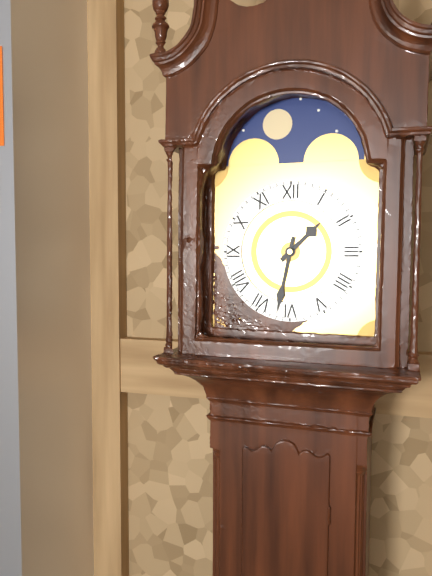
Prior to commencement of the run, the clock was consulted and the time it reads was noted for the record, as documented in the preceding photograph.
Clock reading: 1:32
